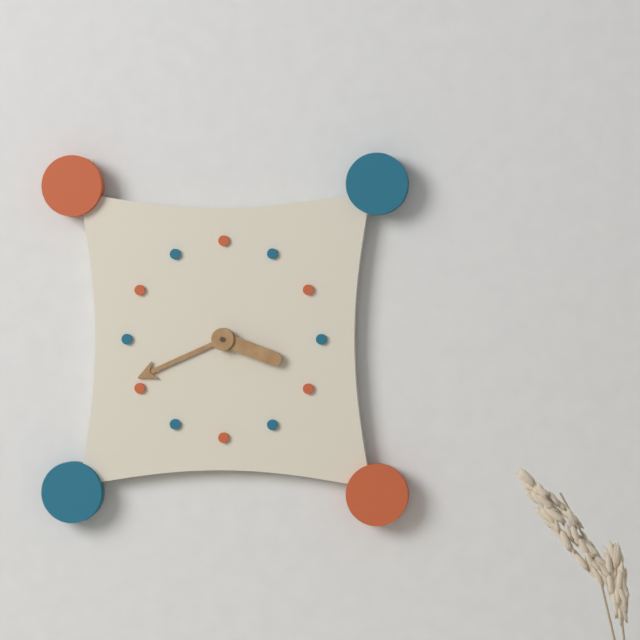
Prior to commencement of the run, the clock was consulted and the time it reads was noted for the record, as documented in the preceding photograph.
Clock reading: 3:41
